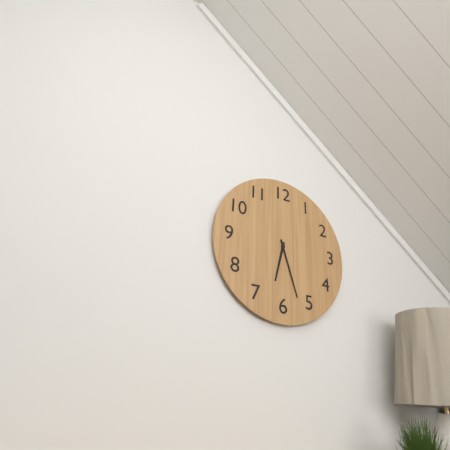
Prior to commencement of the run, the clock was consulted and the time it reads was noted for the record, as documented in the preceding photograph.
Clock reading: 6:27
